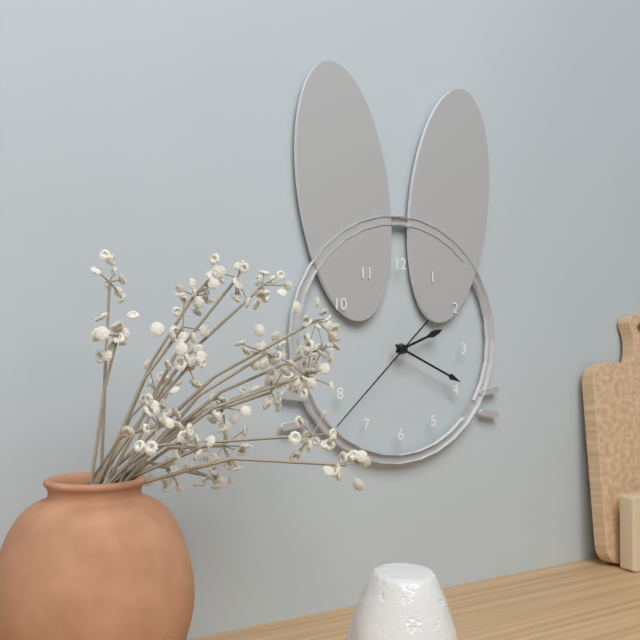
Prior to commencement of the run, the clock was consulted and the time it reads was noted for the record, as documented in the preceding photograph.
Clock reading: 2:19:38
